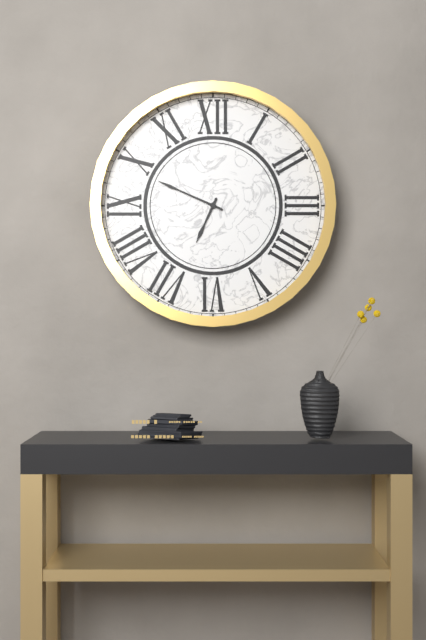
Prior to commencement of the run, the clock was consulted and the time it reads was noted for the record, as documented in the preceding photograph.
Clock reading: 6:49
